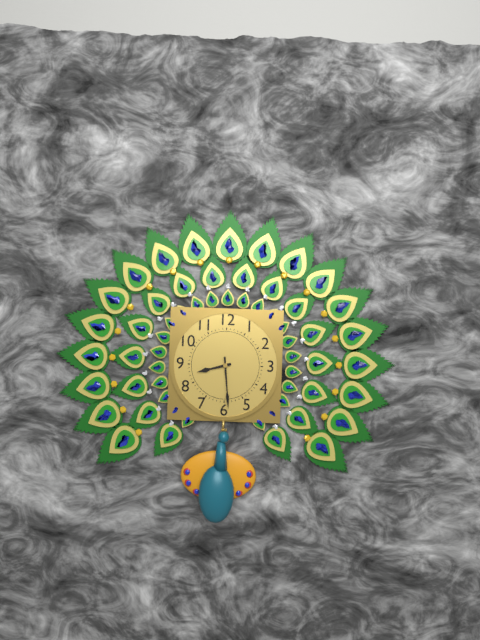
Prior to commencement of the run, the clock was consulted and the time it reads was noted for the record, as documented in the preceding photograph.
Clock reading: 8:29
